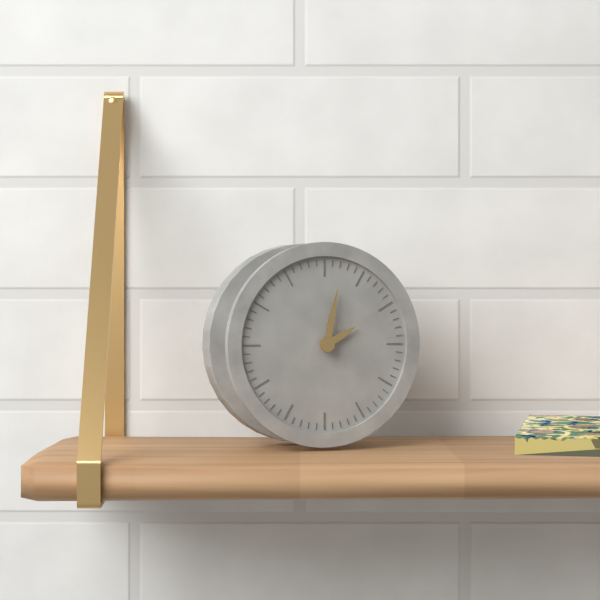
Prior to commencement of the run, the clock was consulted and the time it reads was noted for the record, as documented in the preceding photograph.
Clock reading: 2:02
